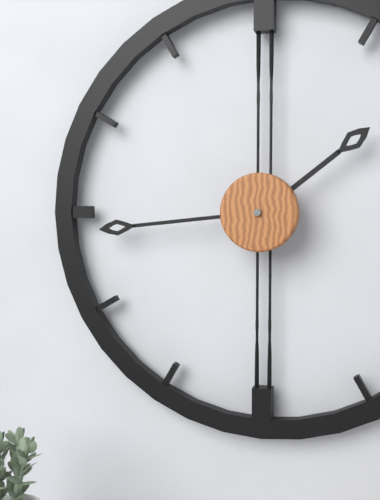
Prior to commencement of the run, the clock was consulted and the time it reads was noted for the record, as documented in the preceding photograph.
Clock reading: 1:44
